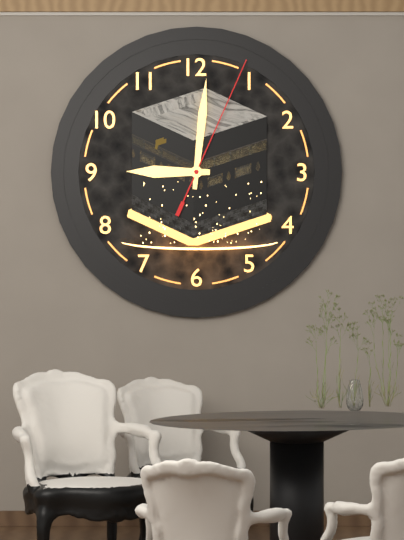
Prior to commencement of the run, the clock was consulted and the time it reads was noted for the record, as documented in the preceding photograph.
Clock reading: 9:01:04
